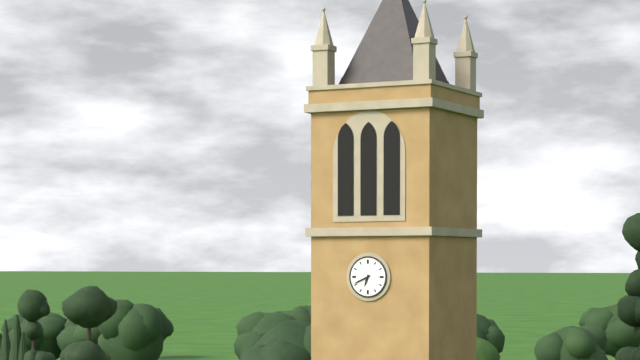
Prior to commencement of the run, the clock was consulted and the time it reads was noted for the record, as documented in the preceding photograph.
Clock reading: 6:41
